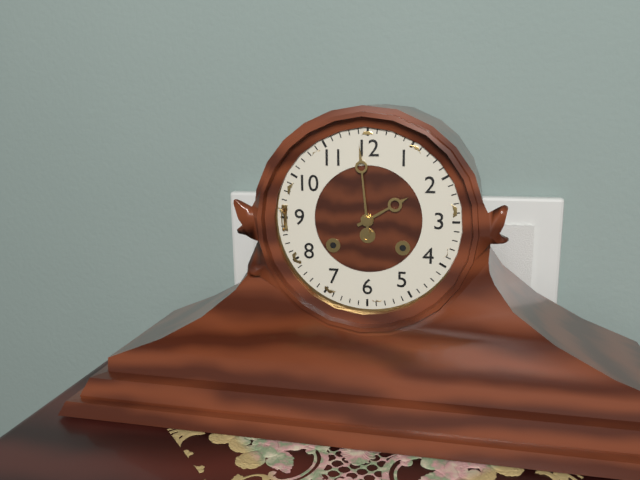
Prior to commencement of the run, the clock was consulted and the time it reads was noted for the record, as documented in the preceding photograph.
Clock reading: 1:59
